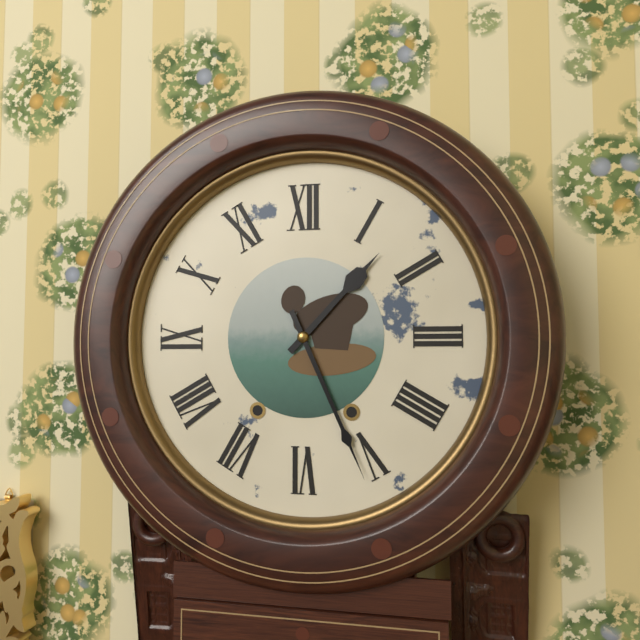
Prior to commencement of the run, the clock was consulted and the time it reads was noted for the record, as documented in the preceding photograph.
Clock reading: 1:26
